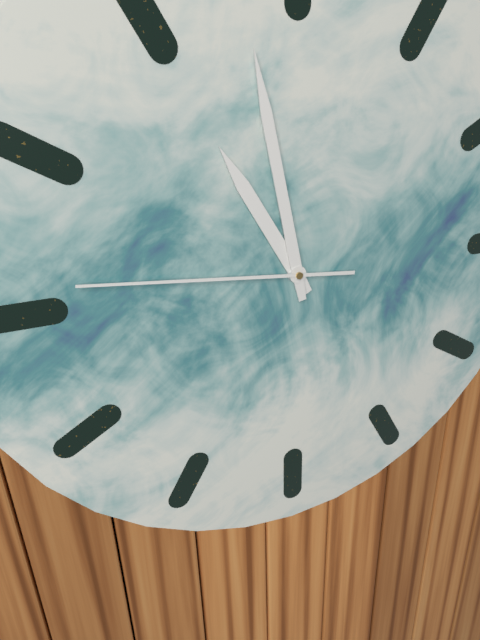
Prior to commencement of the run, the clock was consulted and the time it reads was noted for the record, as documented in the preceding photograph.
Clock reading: 10:58:46
